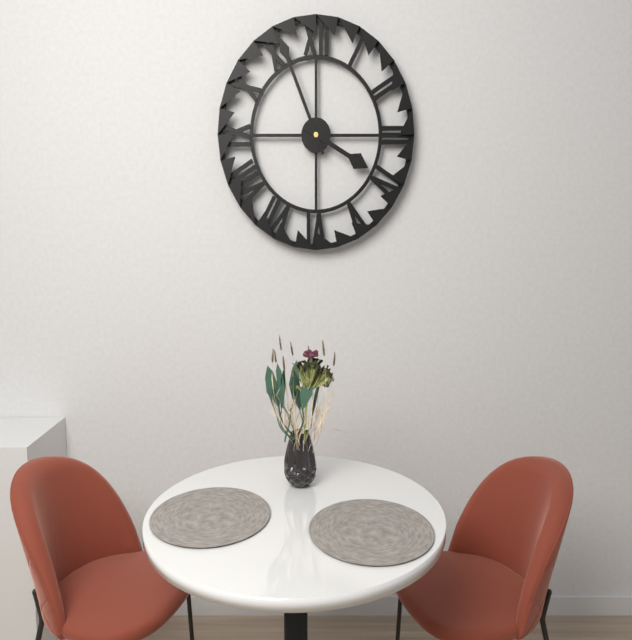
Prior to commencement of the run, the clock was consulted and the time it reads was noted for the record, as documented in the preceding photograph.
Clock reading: 3:56
